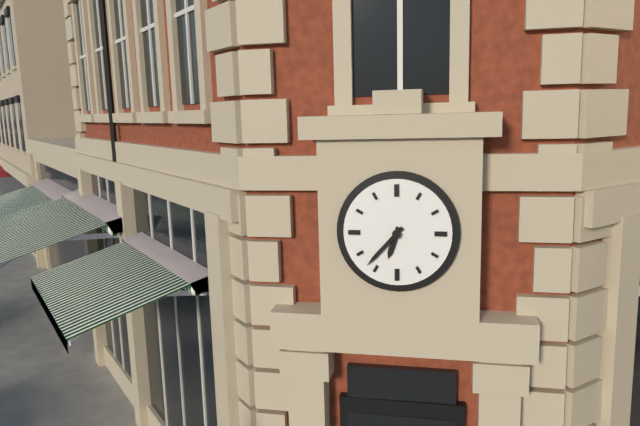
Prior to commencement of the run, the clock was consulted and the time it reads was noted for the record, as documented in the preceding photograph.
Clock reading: 6:37
